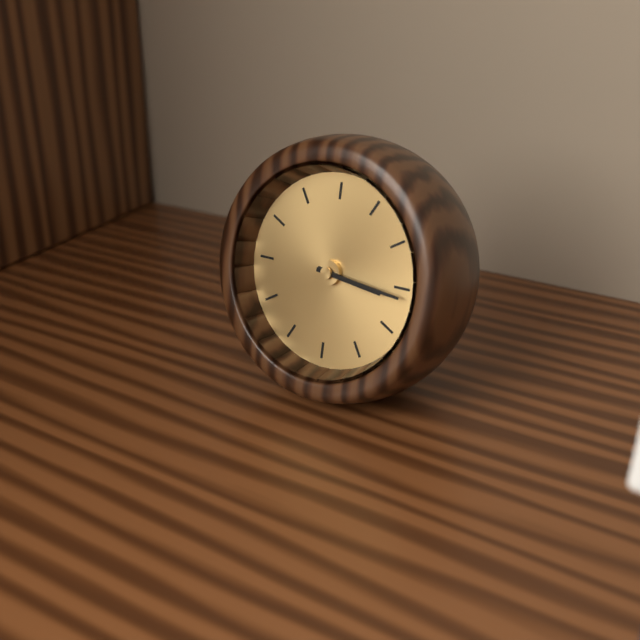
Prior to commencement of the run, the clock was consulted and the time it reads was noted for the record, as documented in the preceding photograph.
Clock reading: 3:16
